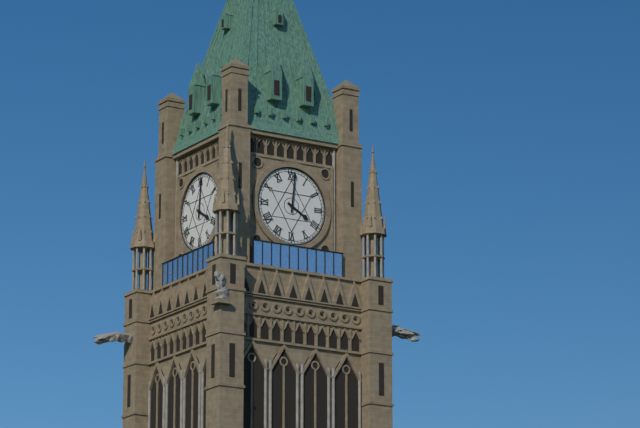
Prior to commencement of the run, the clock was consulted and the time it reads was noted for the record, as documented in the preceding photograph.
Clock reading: 4:01
